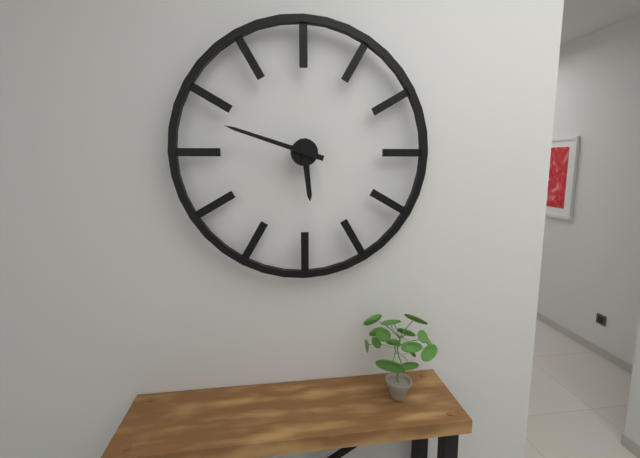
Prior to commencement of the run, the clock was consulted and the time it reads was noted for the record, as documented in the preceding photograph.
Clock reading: 5:48
